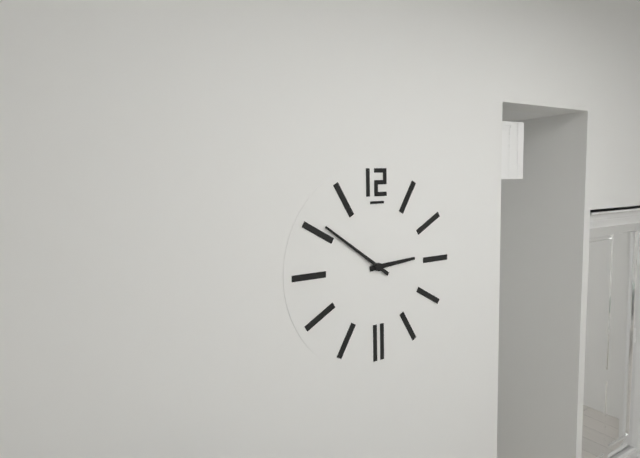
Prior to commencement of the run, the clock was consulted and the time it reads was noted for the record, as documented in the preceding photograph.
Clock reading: 2:51
